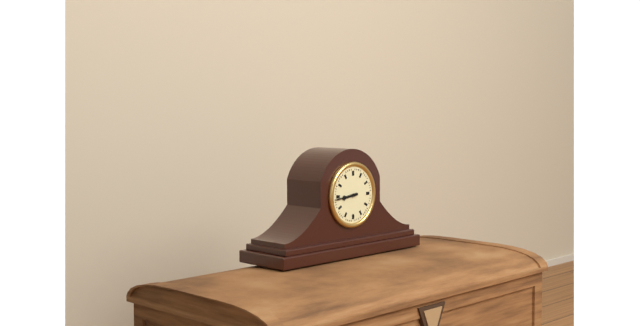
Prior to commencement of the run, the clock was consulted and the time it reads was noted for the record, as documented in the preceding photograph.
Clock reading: 8:44
